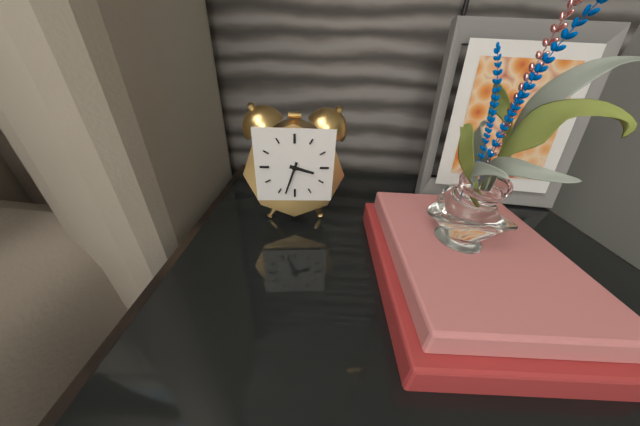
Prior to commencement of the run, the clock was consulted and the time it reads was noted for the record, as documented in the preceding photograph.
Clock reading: 3:33
